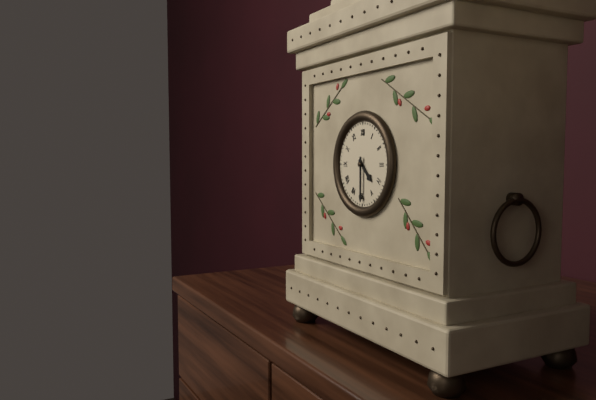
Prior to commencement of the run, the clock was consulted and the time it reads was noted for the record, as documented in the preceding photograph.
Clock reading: 4:30
